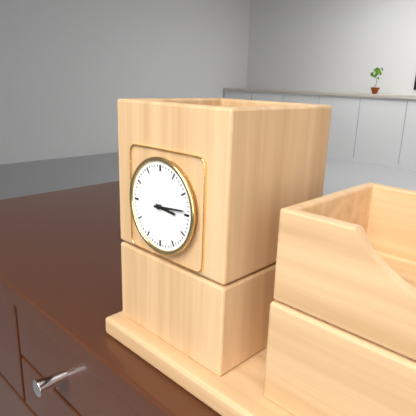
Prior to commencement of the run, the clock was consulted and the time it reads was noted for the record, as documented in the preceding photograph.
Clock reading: 3:14
